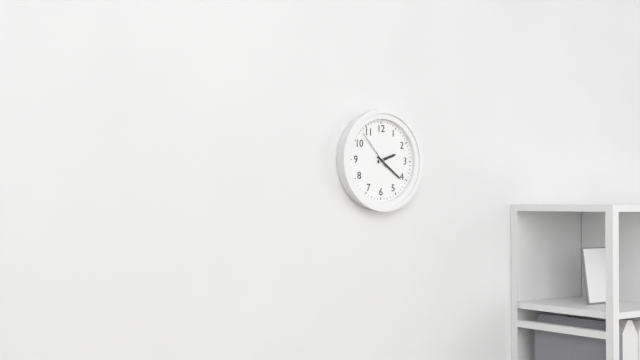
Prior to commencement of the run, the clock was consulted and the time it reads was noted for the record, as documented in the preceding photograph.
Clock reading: 2:21
